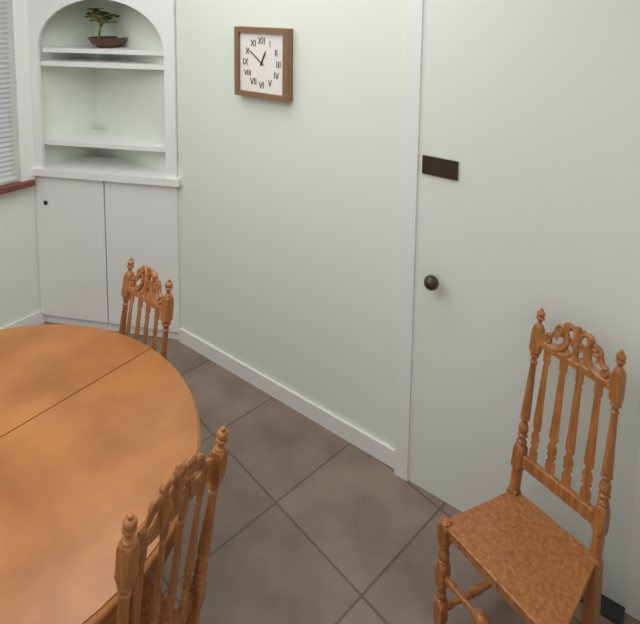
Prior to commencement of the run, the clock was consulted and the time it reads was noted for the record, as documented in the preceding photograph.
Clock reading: 12:51
